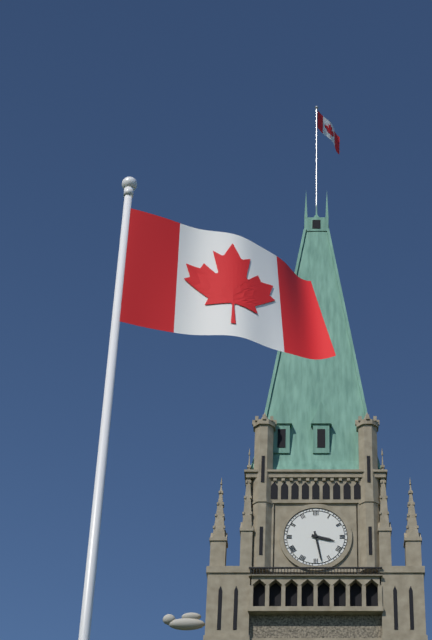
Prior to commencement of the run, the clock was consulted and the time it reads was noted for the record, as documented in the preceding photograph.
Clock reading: 3:28
